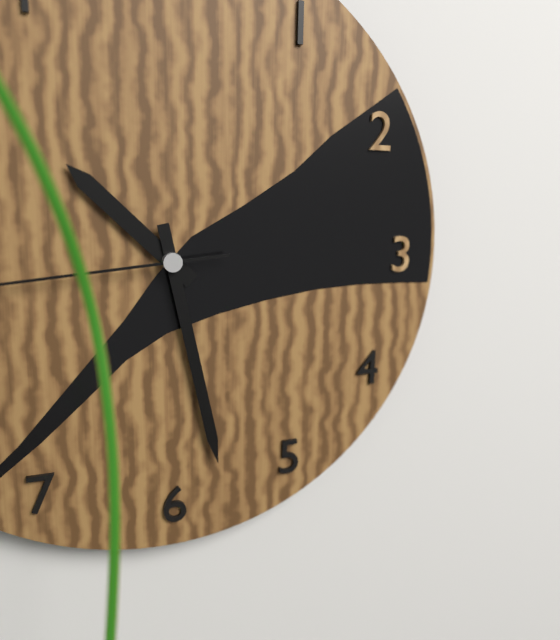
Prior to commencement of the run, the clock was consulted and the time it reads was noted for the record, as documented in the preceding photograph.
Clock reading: 10:28
